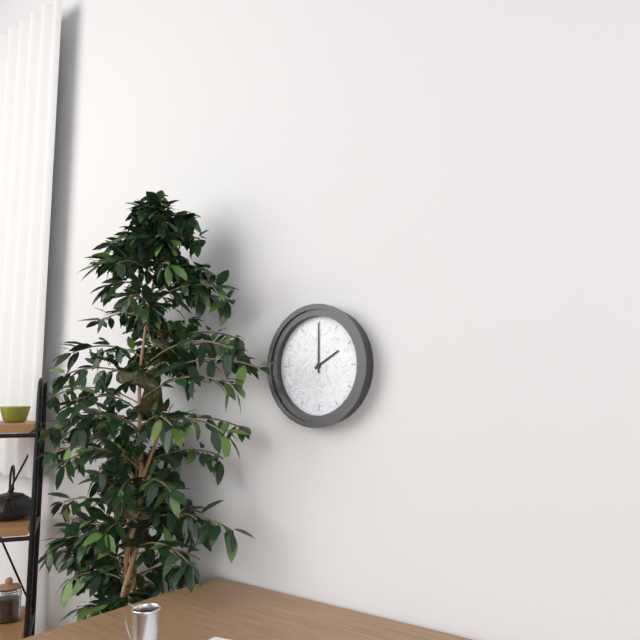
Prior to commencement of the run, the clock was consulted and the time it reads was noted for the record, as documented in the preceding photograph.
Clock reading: 2:00
